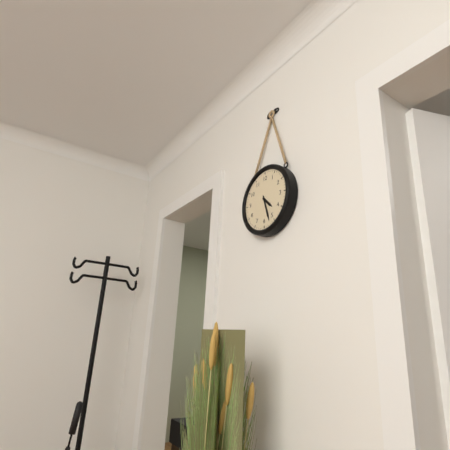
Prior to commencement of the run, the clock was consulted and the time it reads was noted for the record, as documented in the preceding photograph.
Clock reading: 4:27
